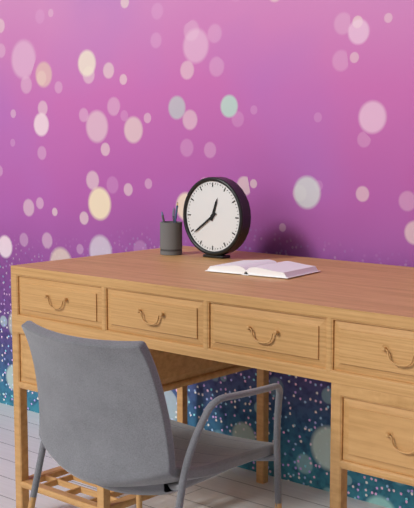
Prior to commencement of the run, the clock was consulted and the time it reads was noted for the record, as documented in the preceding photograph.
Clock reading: 12:39
